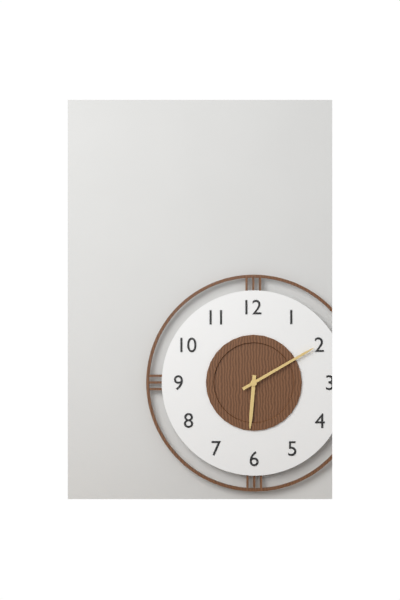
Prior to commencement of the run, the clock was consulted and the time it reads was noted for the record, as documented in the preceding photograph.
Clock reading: 6:10
